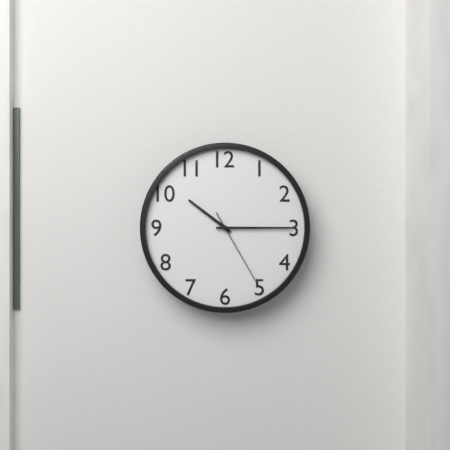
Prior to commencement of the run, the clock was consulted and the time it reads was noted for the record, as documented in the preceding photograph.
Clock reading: 10:15:25
